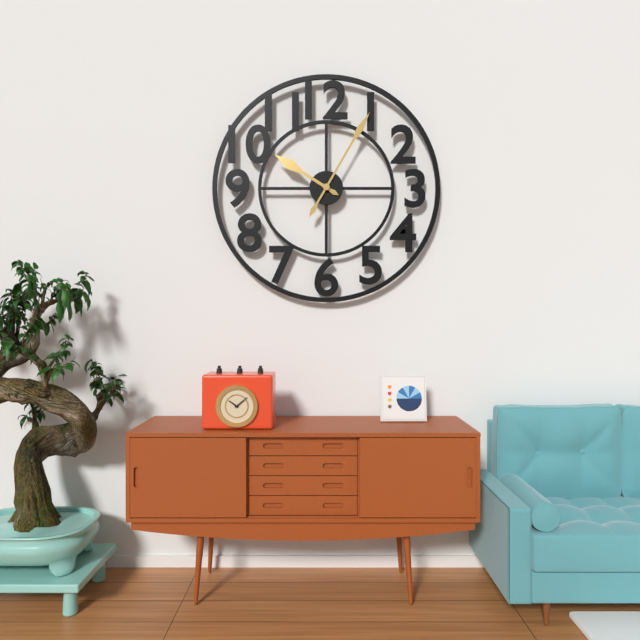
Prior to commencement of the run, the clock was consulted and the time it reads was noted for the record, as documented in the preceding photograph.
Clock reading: 10:05
